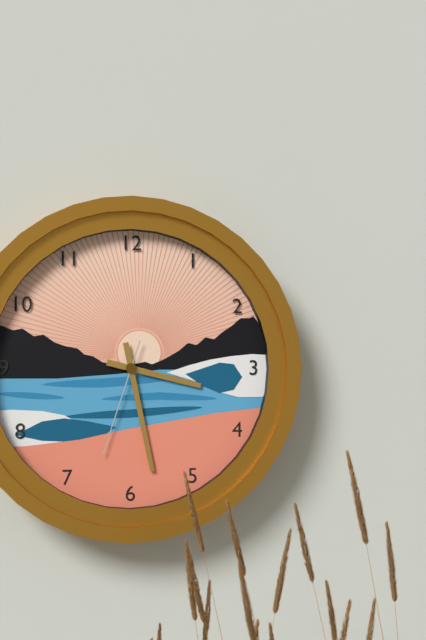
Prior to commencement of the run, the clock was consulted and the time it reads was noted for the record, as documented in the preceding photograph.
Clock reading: 3:28:33
